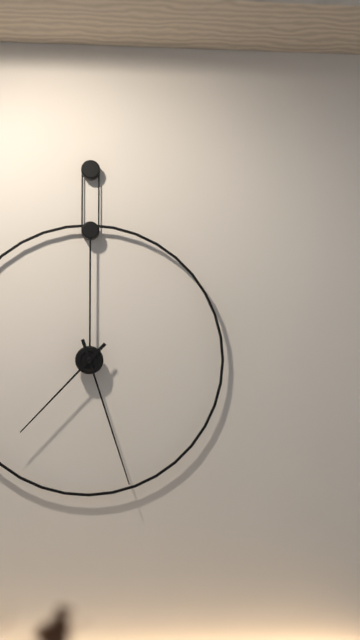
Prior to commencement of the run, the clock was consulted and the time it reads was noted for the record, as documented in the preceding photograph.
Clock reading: 7:27
